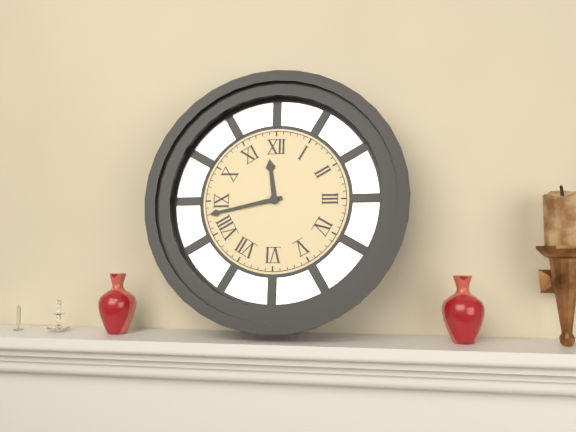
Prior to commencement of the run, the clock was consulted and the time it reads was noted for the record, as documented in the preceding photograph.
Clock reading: 11:43
